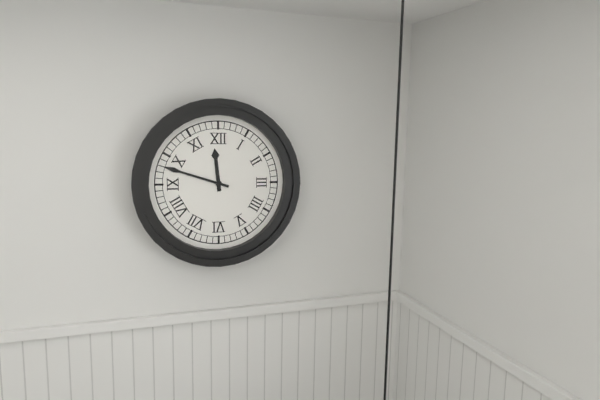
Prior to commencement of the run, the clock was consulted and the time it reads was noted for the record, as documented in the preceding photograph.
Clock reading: 11:48
